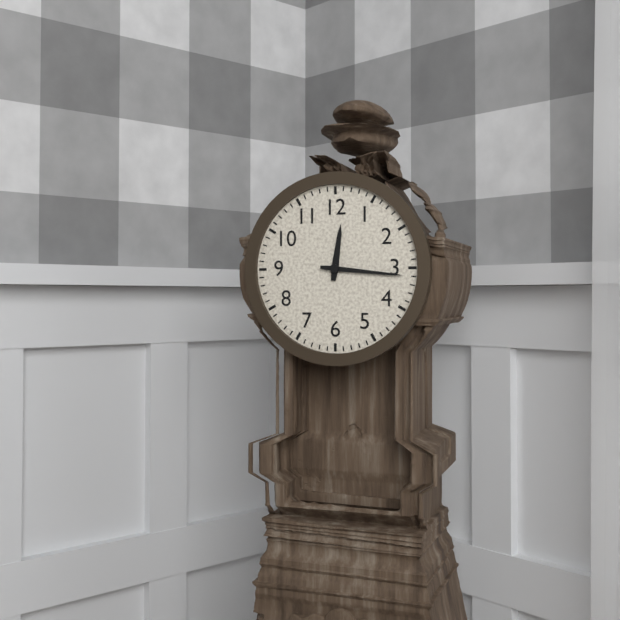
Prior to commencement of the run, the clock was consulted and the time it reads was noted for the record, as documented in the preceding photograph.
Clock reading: 12:16
